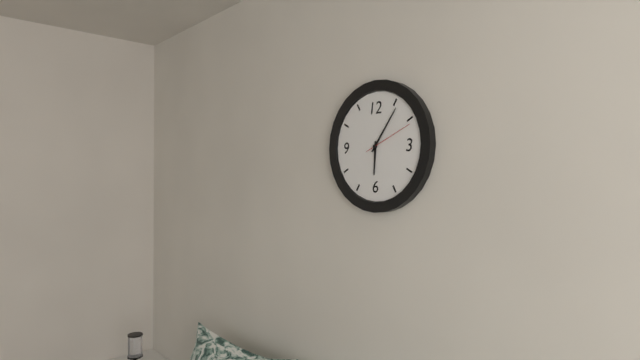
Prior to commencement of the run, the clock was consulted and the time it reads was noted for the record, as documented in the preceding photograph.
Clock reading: 6:06:11
